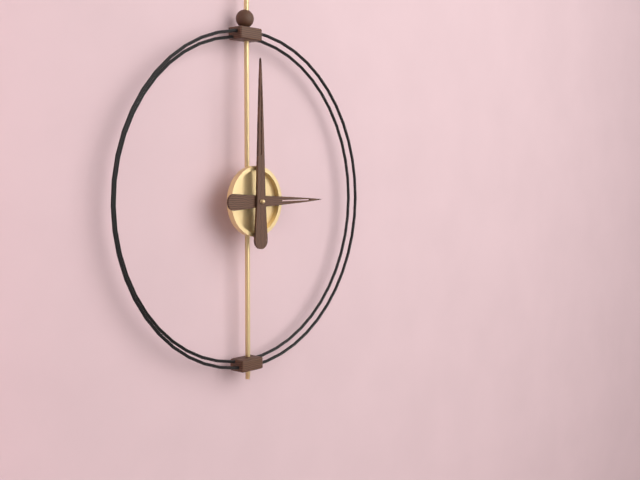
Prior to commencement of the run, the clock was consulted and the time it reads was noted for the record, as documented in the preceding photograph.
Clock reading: 3:00
